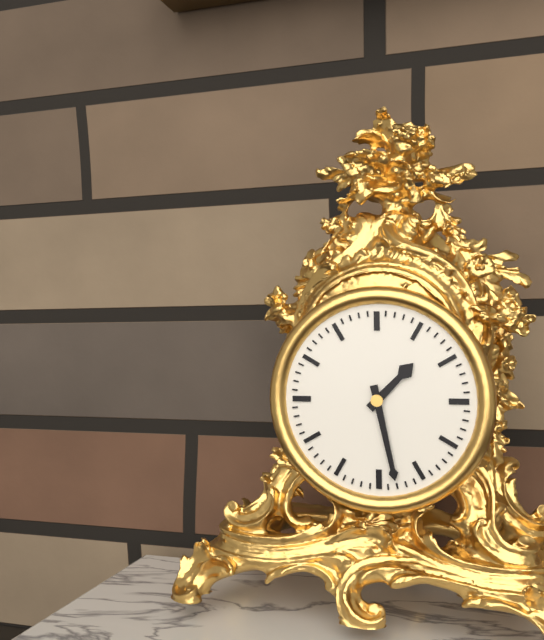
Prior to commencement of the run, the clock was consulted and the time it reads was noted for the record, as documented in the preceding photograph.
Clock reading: 1:28
